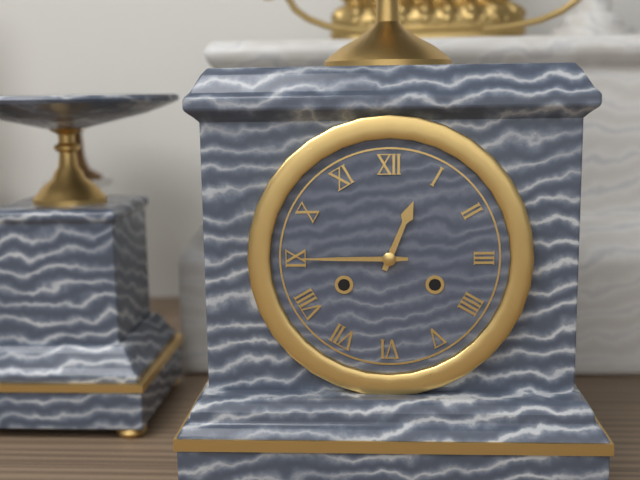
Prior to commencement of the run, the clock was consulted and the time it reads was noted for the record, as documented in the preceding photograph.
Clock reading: 12:45
